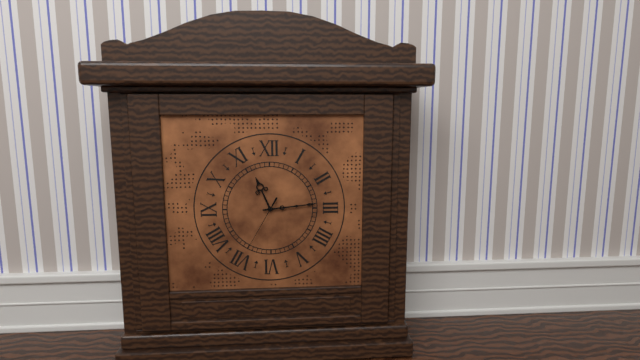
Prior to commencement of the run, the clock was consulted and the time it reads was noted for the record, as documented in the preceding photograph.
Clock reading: 11:14:35
